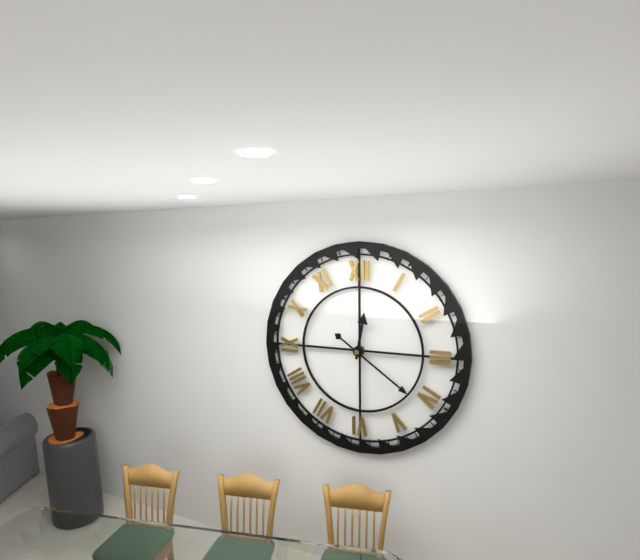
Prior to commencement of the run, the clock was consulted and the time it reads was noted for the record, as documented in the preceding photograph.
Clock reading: 12:21
